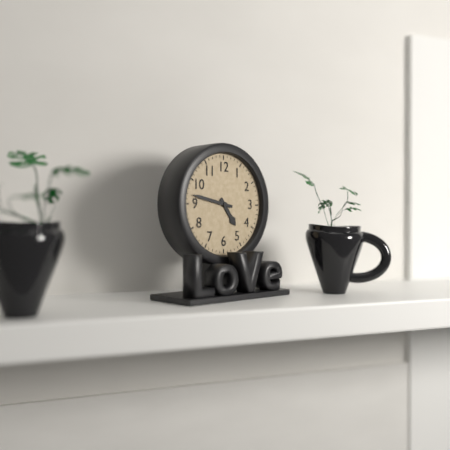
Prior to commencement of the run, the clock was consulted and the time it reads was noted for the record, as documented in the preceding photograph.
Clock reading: 4:47
